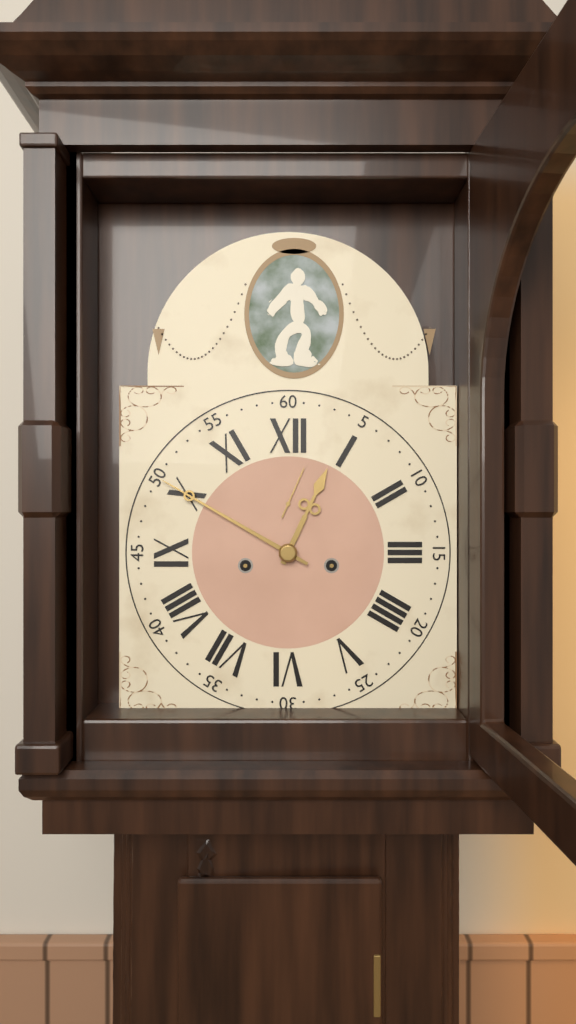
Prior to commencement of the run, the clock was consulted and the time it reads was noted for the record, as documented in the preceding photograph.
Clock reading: 12:50:04
